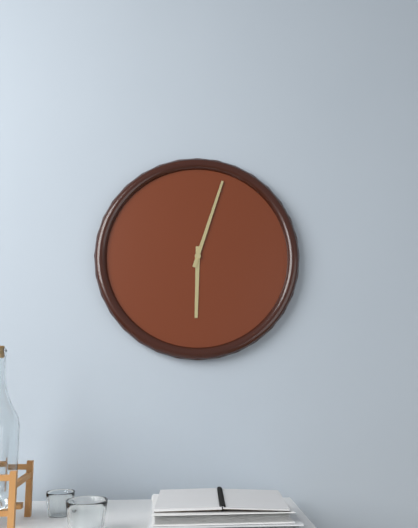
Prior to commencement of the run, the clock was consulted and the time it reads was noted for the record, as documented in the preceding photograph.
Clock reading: 6:03
